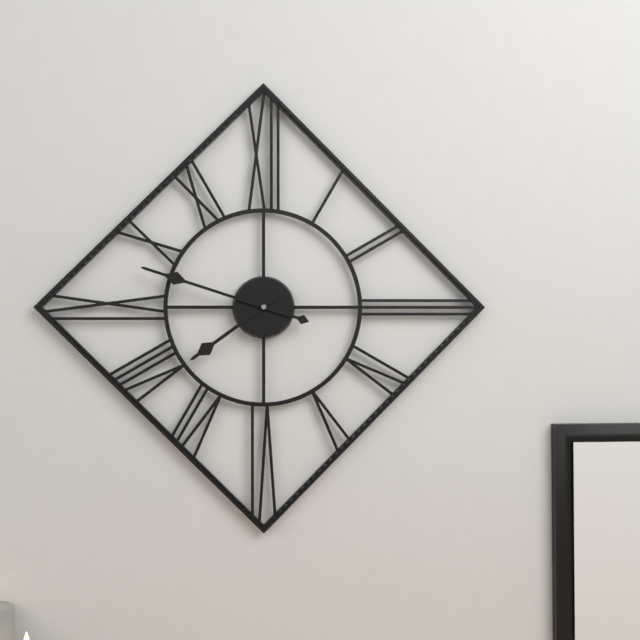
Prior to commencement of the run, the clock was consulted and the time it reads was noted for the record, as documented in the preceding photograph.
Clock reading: 7:48
